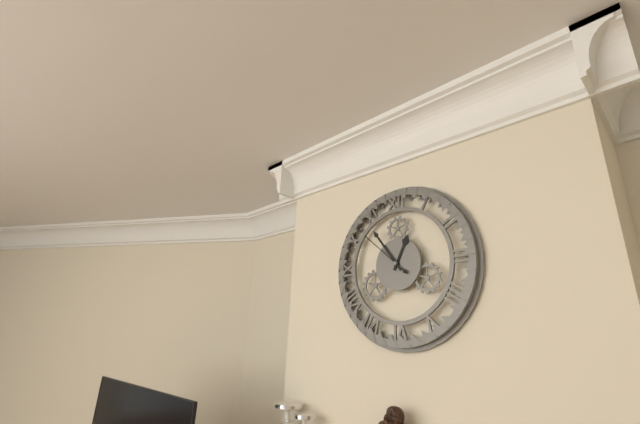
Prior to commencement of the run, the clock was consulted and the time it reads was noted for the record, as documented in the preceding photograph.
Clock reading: 12:54:52
